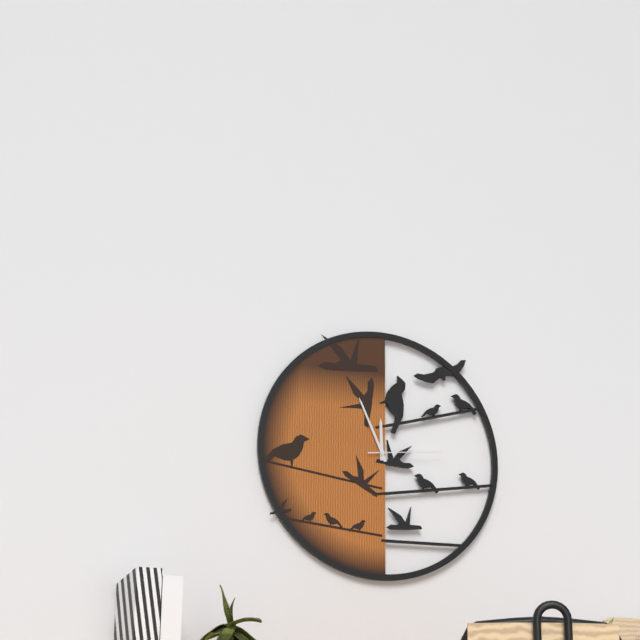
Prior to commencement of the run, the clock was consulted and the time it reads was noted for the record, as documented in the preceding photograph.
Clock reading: 11:56:14
